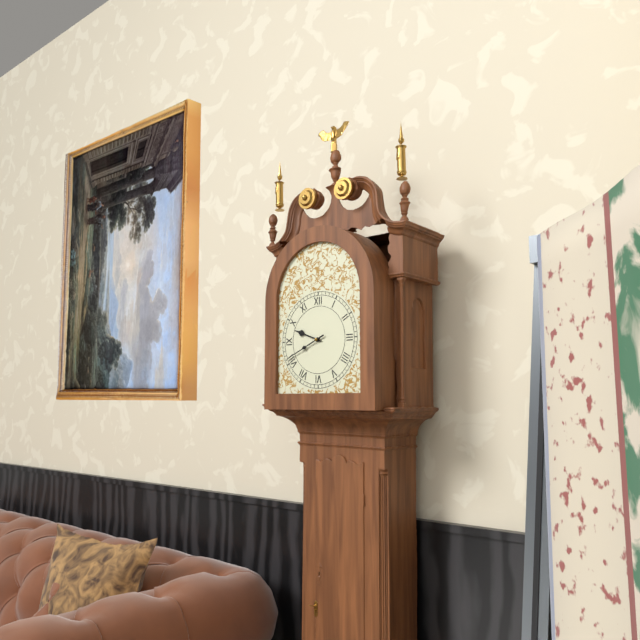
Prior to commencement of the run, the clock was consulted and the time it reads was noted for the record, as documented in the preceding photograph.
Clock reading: 9:41
